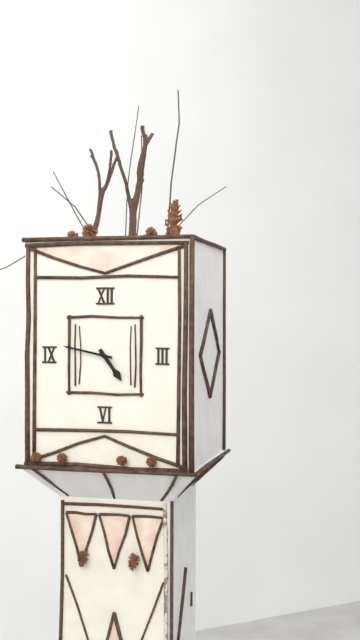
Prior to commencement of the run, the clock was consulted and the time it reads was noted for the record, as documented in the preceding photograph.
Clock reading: 4:47
